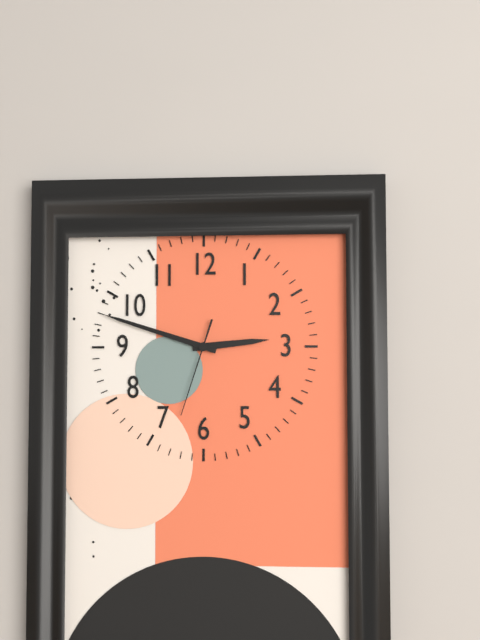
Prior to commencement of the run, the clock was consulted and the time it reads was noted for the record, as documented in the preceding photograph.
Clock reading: 2:48:33
